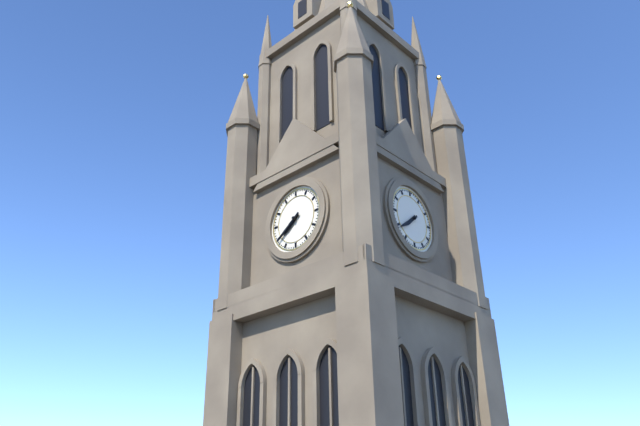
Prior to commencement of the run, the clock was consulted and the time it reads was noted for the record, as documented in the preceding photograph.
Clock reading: 7:39
